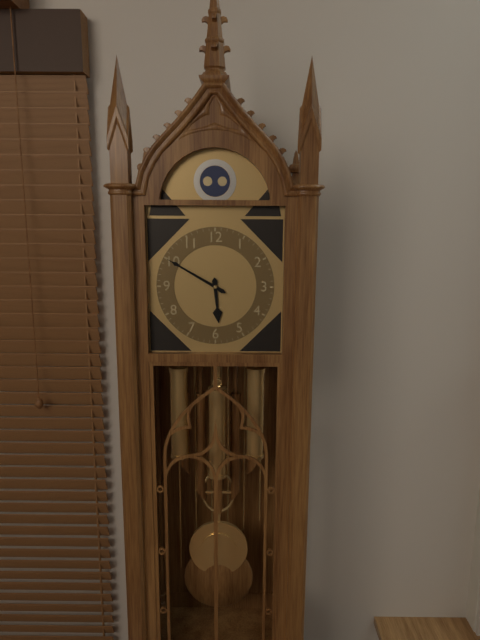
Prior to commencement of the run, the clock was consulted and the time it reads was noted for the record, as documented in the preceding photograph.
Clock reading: 5:50
